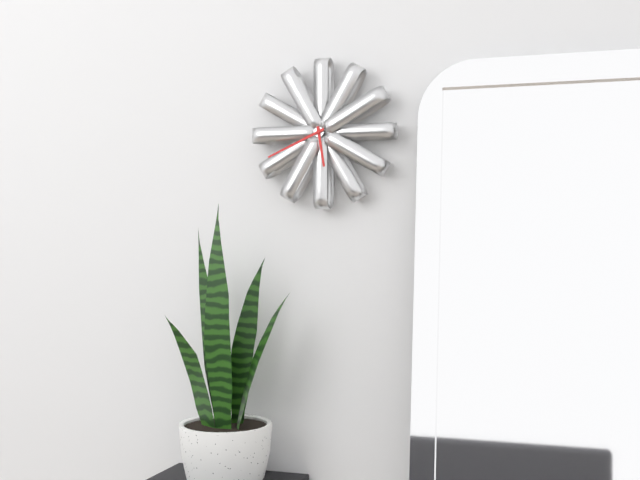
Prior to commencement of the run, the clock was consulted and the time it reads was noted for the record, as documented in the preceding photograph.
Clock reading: 5:41
